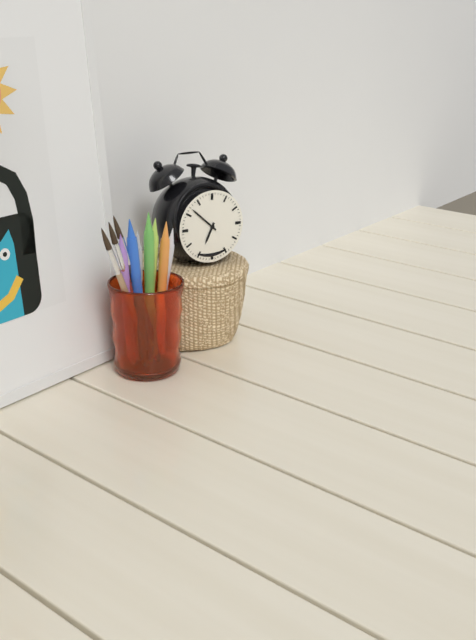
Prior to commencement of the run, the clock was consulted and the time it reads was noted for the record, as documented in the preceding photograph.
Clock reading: 6:52
